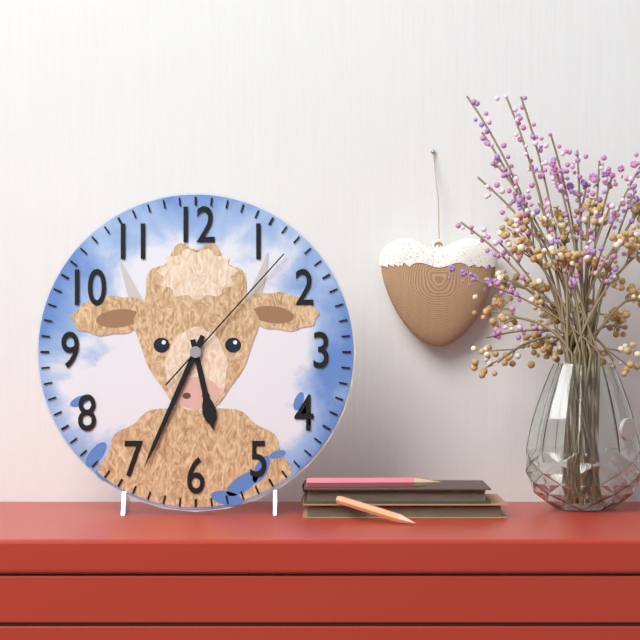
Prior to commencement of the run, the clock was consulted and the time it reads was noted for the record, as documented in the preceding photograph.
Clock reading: 5:34:07
